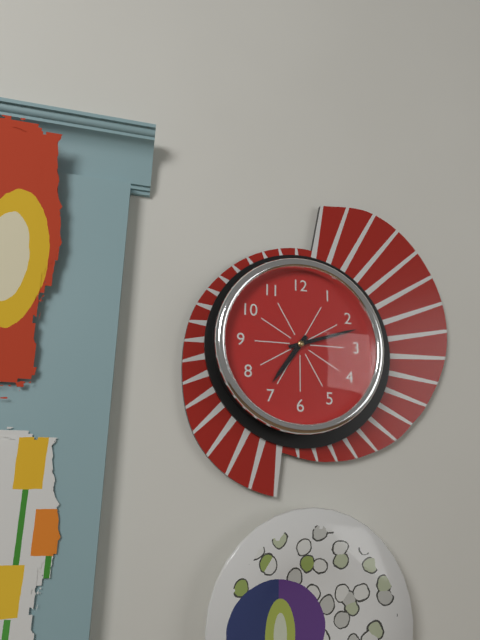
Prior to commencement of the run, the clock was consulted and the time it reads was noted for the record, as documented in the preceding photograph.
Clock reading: 7:12
